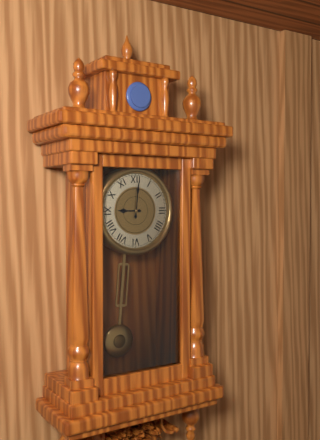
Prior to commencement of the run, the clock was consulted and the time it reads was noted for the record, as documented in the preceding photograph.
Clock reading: 9:01
